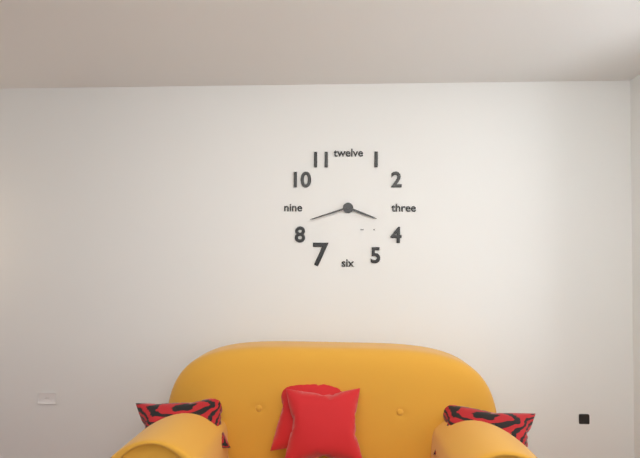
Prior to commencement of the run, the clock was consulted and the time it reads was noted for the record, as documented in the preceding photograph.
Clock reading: 3:42
